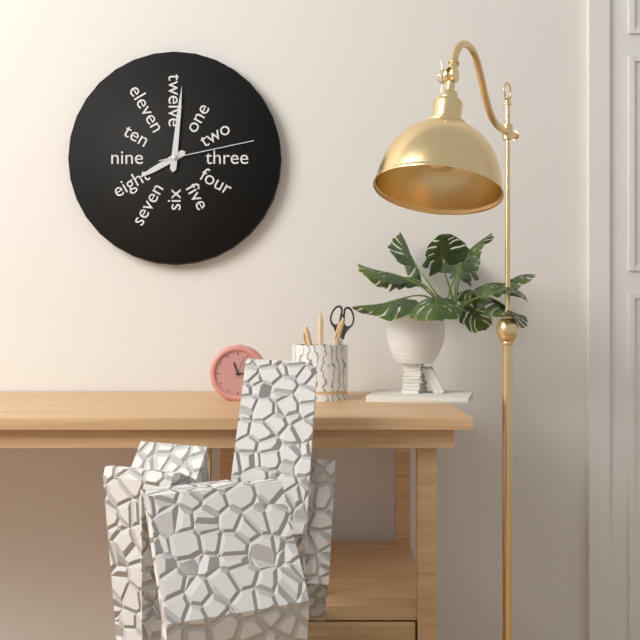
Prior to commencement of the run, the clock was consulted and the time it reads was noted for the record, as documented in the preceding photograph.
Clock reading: 8:01:13
